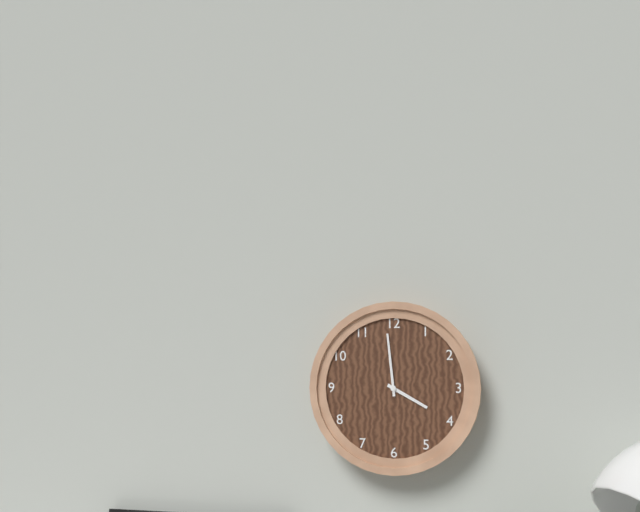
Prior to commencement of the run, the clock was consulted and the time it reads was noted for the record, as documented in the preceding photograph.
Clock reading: 3:59
